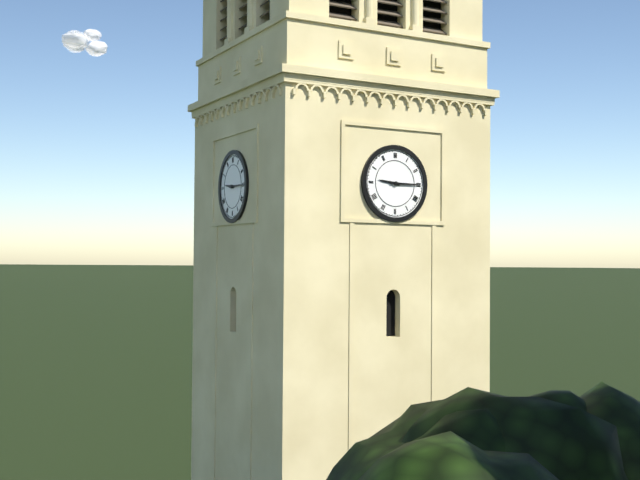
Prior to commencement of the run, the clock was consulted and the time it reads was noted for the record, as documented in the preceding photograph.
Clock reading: 9:15
